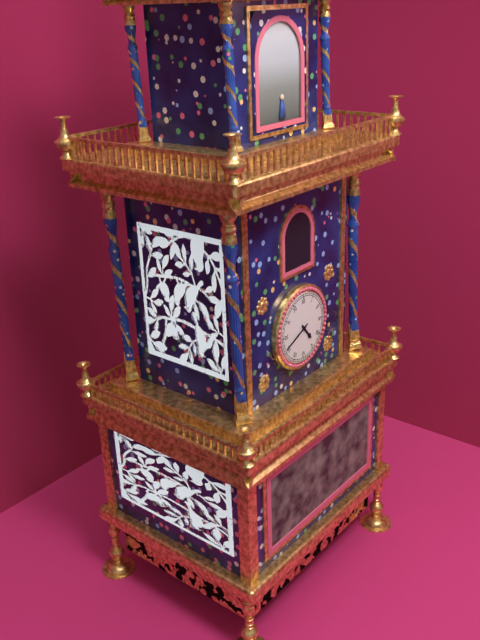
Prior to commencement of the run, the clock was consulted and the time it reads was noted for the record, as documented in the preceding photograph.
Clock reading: 4:41
